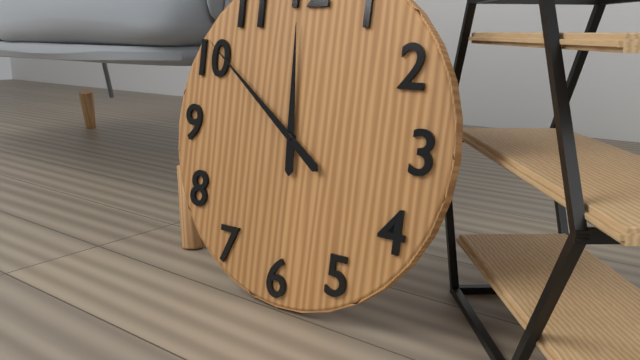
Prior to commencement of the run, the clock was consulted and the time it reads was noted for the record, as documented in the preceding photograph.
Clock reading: 11:51
